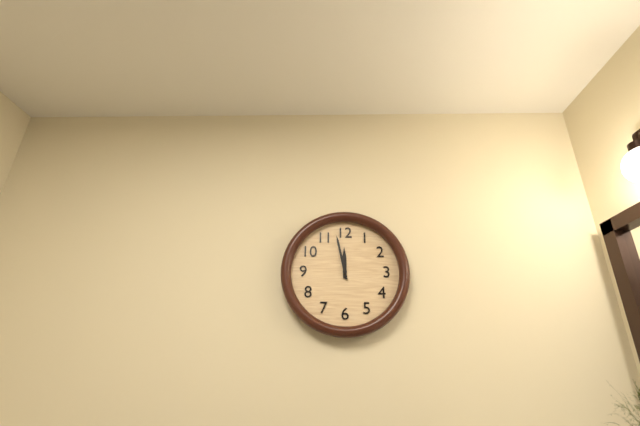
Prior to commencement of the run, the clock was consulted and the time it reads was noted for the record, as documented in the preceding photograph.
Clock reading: 11:58
